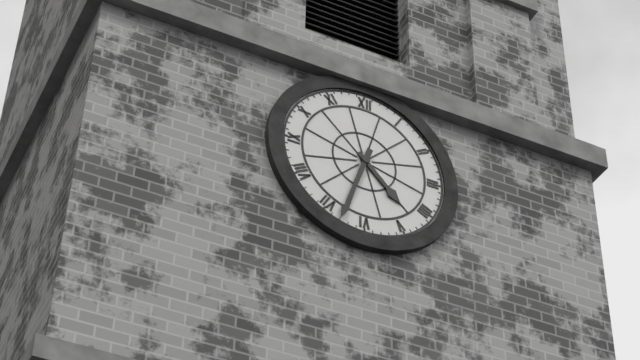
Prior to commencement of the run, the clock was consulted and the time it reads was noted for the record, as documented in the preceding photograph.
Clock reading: 4:33
